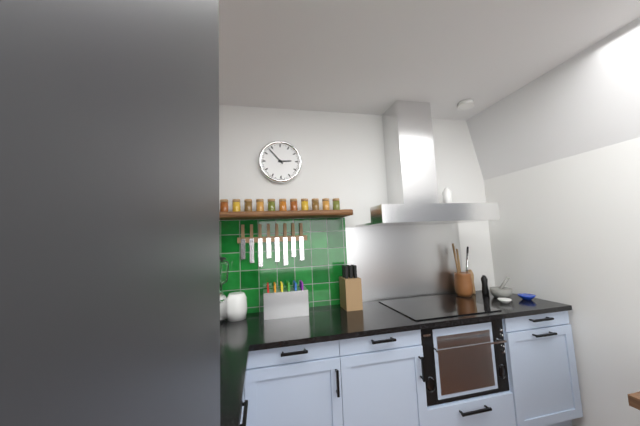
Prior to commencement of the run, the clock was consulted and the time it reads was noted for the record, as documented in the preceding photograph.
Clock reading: 2:53
